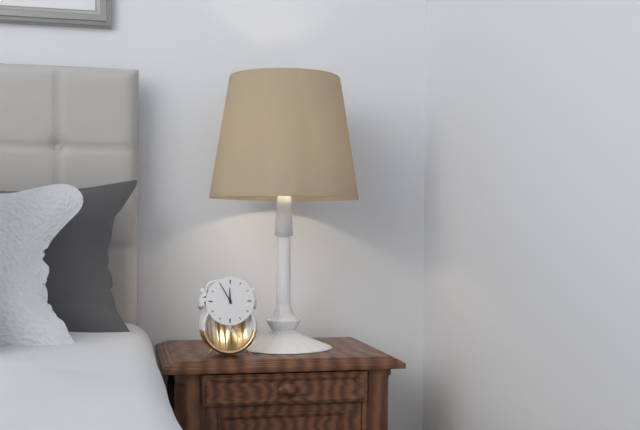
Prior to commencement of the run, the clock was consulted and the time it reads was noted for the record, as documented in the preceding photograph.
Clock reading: 11:55
